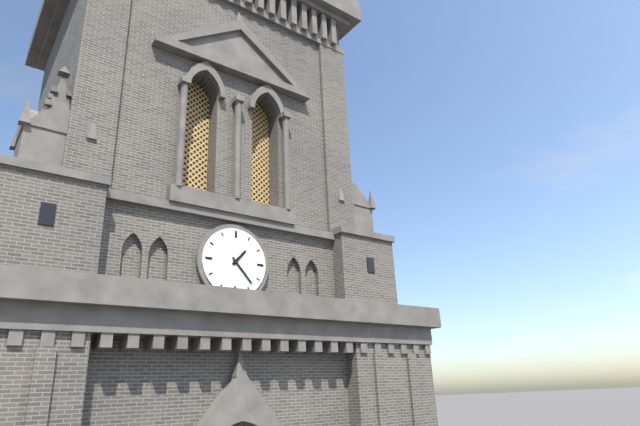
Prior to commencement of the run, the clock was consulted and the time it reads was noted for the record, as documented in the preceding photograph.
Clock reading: 1:23
